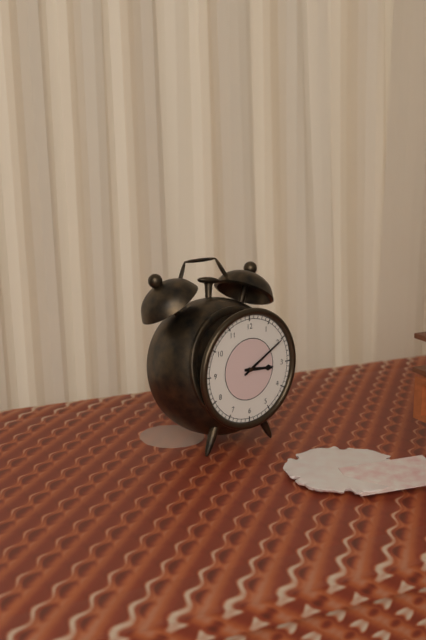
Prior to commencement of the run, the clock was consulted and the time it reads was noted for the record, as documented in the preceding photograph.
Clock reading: 3:10
